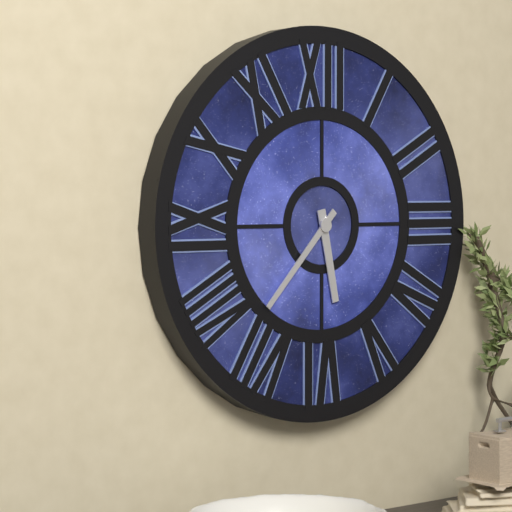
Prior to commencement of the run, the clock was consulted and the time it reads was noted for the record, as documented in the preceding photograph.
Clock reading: 5:37
